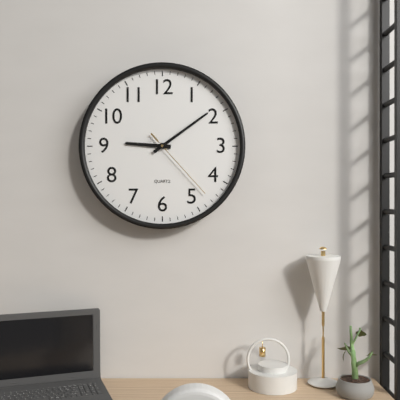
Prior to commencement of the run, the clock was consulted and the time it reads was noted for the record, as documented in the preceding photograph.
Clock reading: 9:09:23
